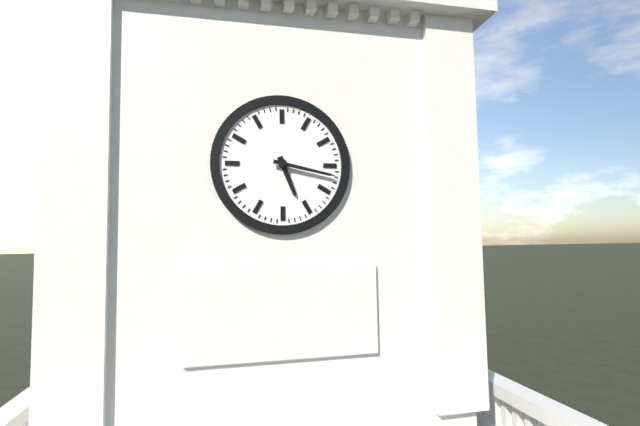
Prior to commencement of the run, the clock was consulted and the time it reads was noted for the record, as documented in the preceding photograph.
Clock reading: 5:17
